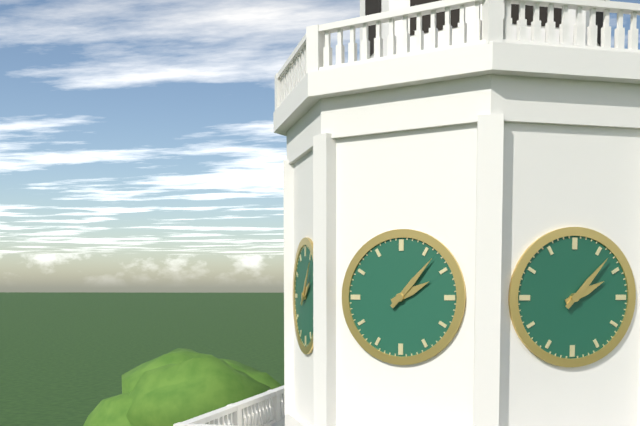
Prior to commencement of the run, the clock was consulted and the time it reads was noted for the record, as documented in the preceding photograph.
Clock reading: 2:07
